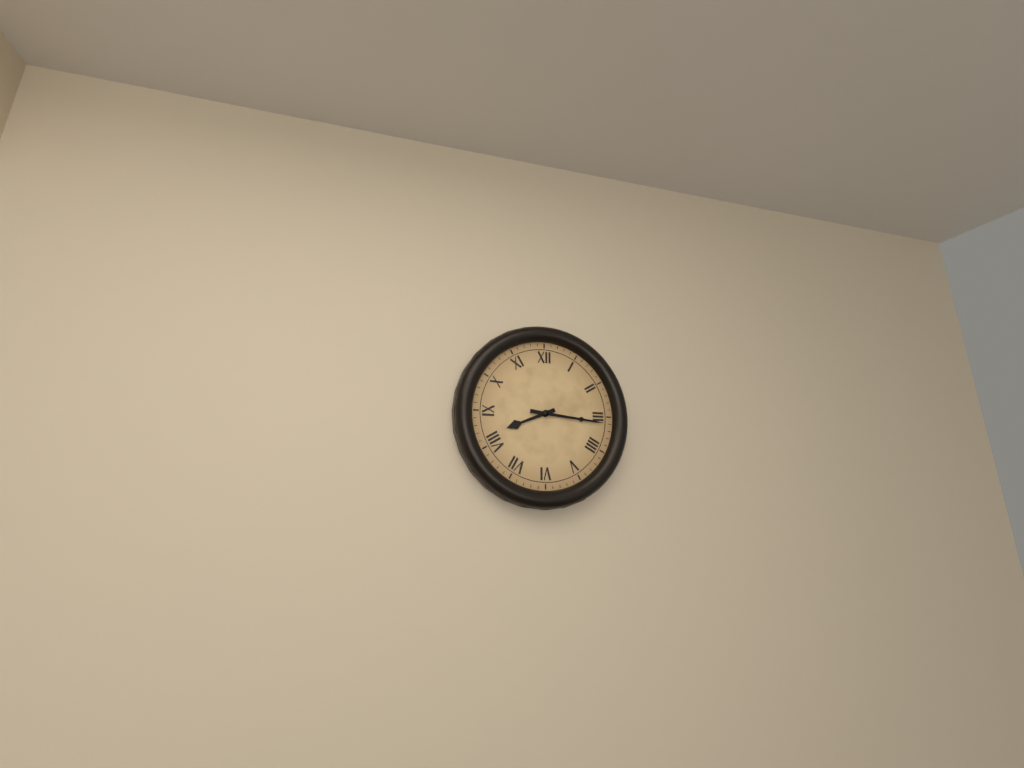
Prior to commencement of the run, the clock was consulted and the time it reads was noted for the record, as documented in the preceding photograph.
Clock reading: 8:16
